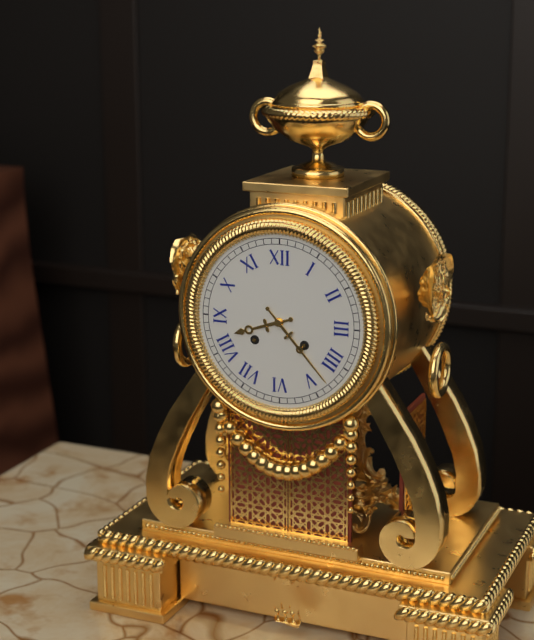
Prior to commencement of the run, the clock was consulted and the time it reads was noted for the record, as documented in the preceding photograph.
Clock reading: 8:23
